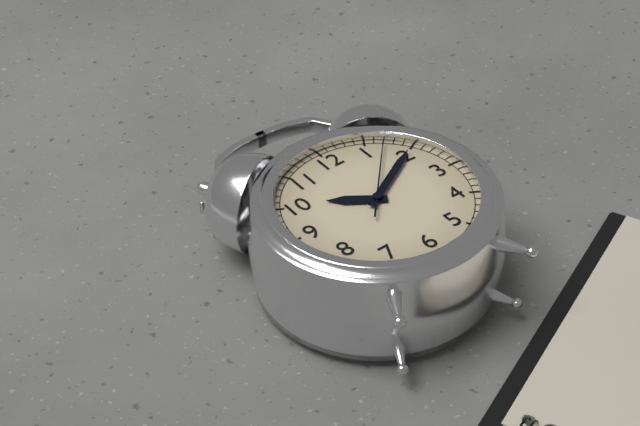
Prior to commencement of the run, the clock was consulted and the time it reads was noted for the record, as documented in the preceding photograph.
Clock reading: 10:10:07
